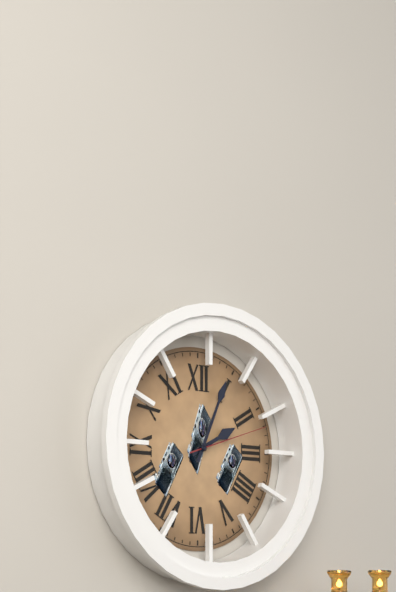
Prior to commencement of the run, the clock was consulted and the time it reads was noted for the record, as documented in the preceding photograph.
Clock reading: 2:04:12
